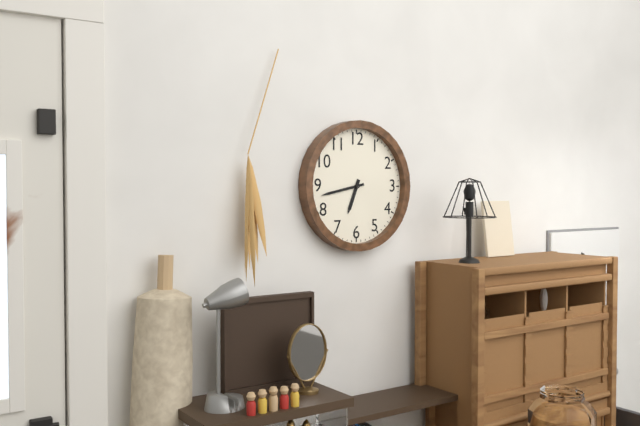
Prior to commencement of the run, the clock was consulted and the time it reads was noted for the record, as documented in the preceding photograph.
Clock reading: 6:43
